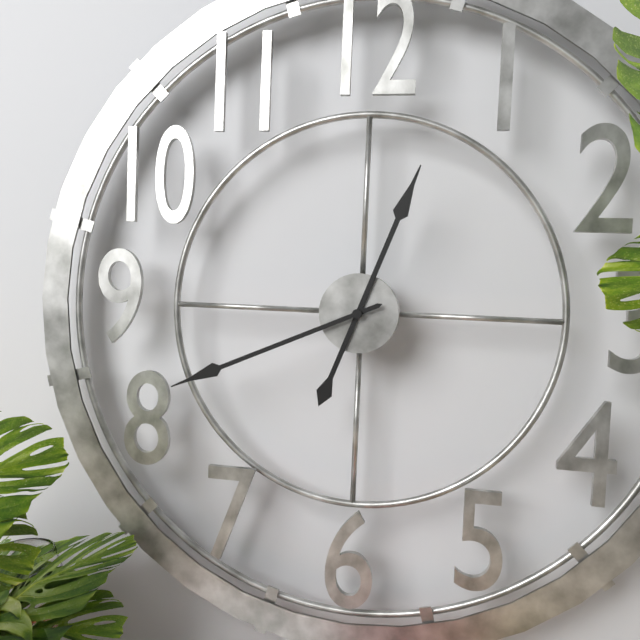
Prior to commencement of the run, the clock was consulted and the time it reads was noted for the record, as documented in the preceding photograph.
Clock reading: 12:41
